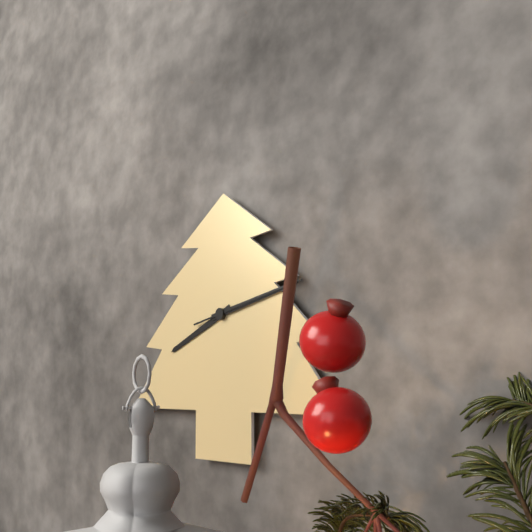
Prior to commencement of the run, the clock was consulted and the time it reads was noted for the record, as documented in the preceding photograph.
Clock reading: 8:13:13
